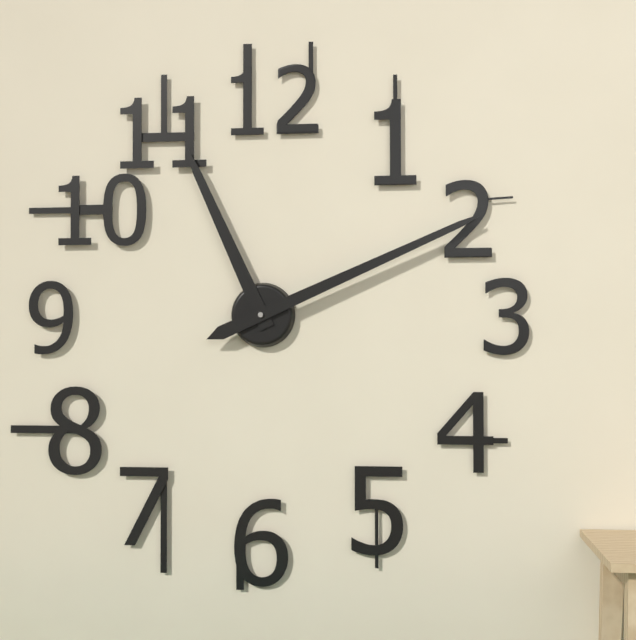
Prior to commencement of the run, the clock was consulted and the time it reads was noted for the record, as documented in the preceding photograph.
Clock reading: 11:11
